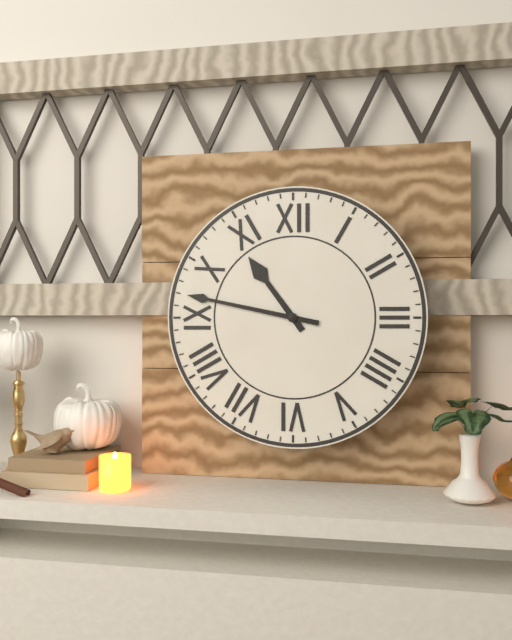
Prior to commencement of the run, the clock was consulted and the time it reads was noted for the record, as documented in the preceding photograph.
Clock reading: 10:47
